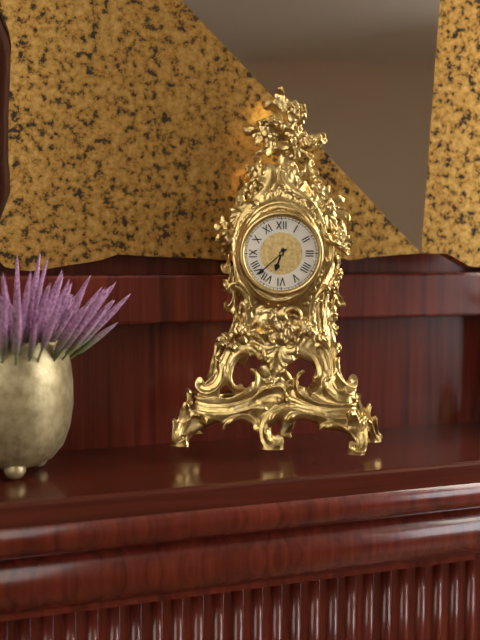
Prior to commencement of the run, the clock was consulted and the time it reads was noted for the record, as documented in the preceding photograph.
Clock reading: 6:38
